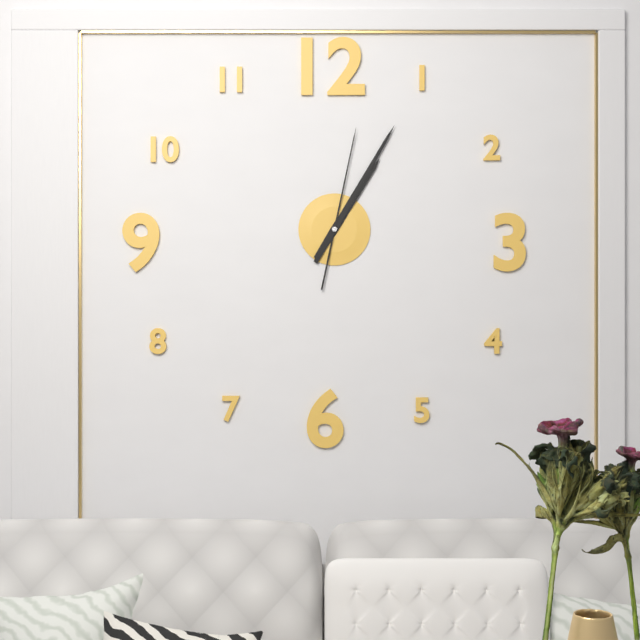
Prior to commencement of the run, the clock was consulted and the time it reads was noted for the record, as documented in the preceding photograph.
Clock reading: 1:05:02
